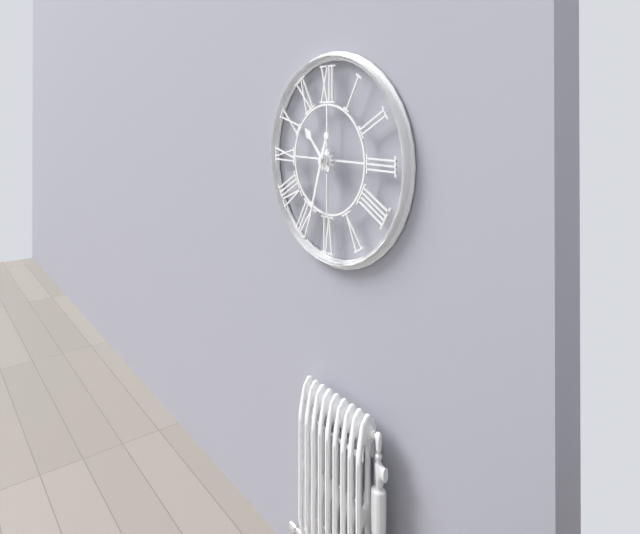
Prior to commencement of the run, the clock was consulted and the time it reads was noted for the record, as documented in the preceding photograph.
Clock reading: 10:33
